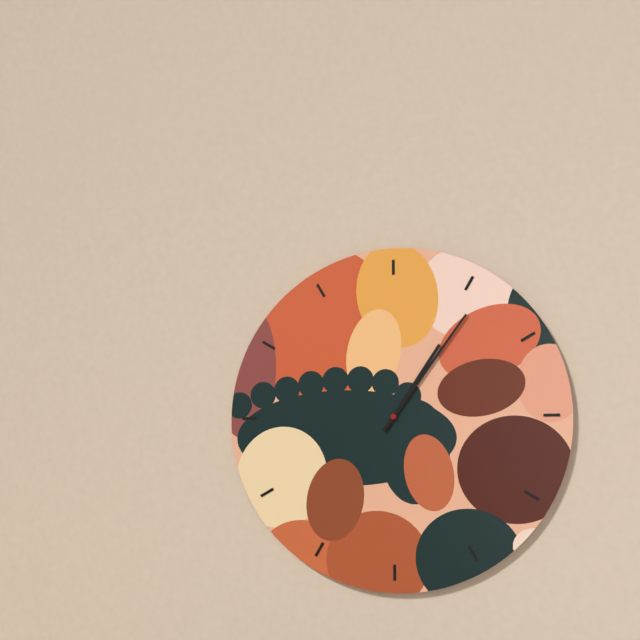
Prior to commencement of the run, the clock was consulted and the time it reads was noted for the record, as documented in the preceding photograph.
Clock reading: 1:06
